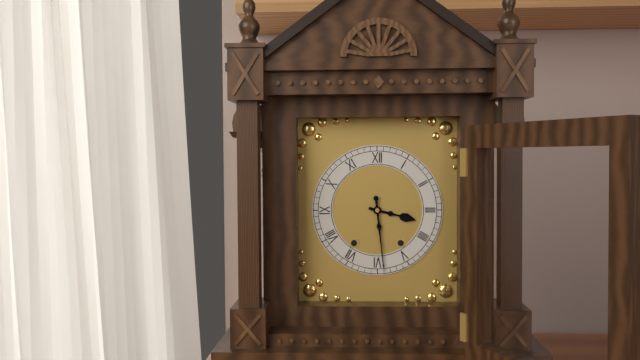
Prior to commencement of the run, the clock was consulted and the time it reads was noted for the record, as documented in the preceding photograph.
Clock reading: 3:29
